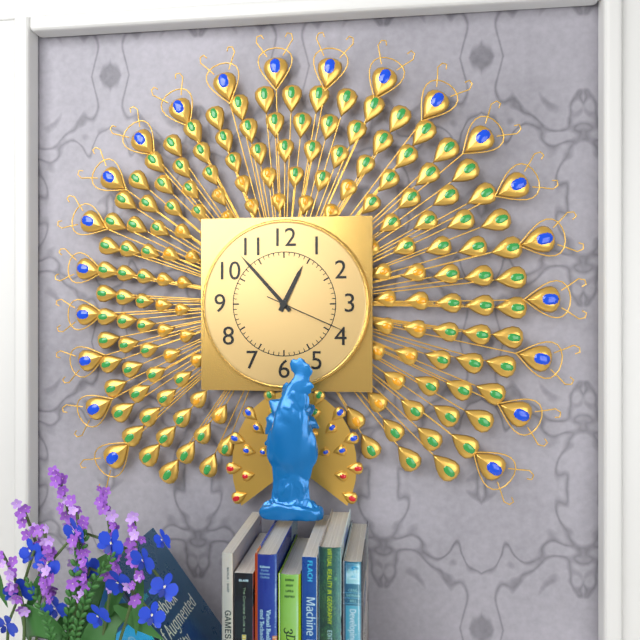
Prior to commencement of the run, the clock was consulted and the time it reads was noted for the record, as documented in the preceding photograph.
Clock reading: 12:53:19
